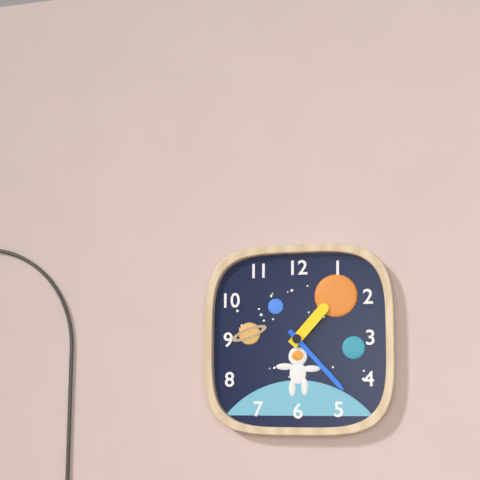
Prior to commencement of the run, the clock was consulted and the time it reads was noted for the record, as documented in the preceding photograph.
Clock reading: 1:23
